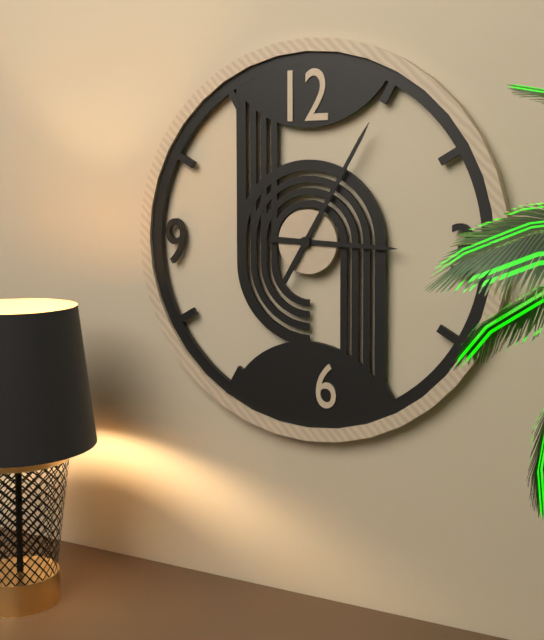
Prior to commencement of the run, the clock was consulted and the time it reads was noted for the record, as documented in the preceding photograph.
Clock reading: 3:05
